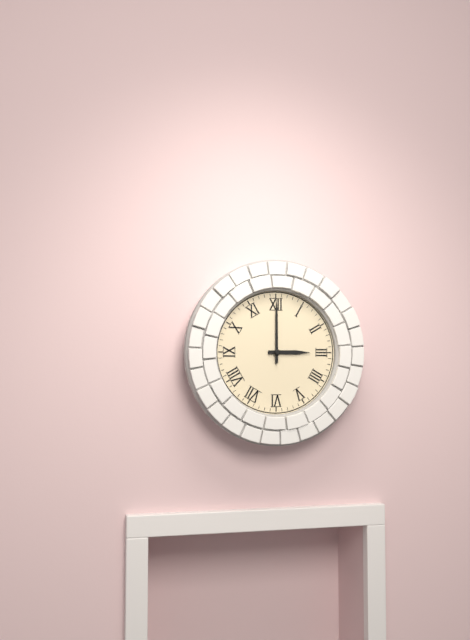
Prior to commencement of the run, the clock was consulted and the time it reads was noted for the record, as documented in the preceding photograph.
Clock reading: 3:00
